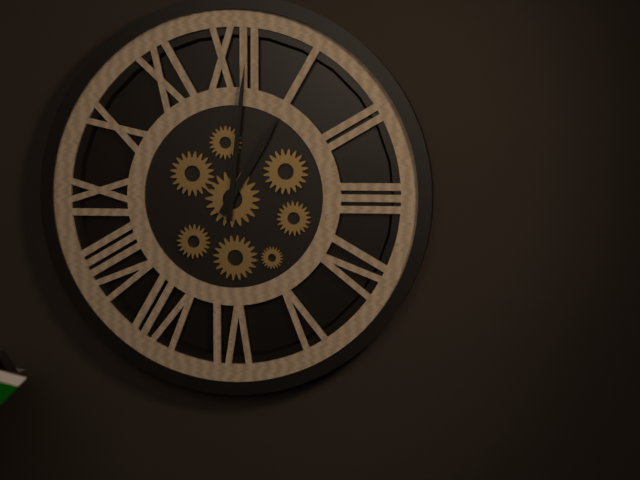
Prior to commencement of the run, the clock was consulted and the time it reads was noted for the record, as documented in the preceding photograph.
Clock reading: 1:01
